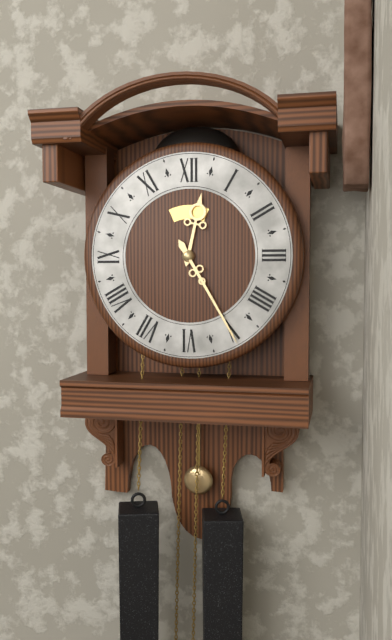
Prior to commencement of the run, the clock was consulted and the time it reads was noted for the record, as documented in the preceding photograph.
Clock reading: 12:25
